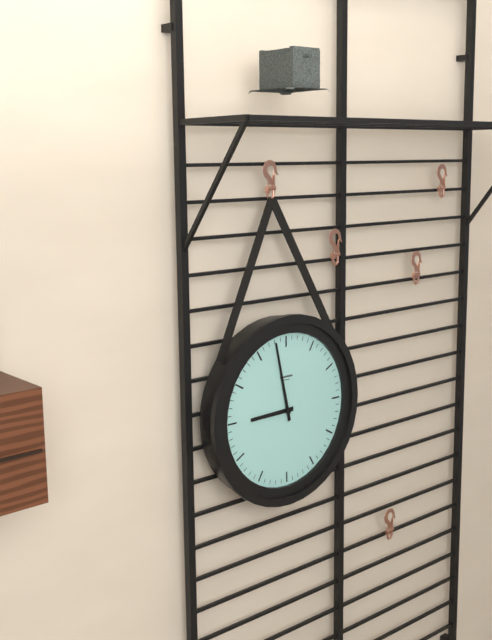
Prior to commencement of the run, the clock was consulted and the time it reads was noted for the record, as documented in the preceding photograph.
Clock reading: 8:58
